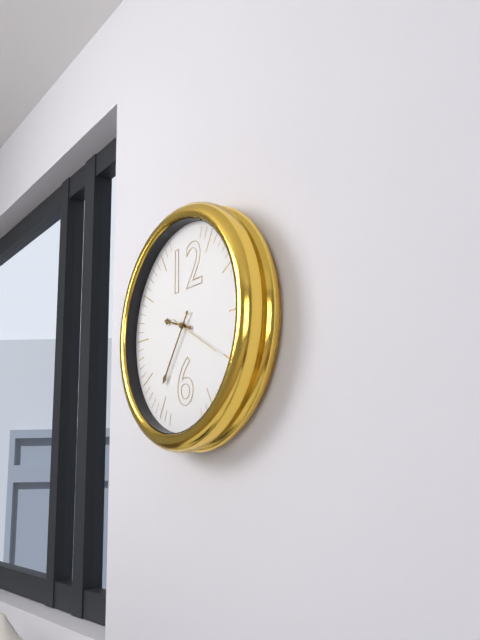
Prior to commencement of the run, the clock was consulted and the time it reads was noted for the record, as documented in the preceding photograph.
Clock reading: 9:36:20
